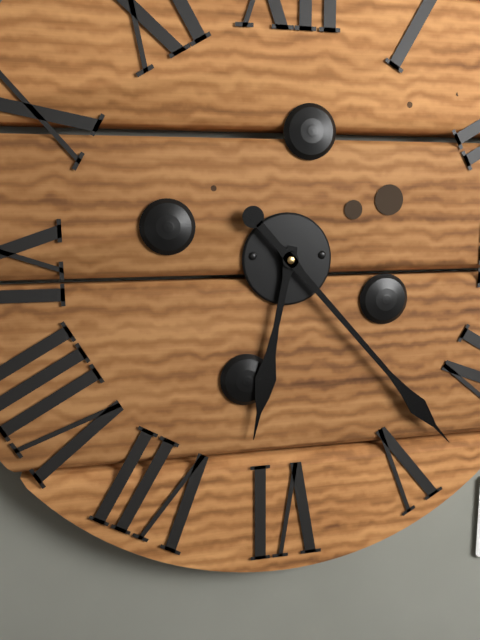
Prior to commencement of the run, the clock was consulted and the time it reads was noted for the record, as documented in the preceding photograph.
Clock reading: 6:23
